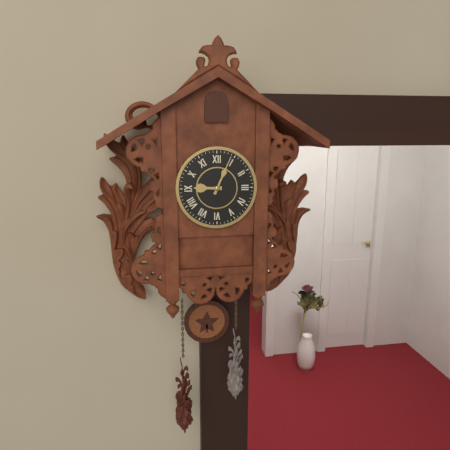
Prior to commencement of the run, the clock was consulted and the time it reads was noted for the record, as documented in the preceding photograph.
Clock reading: 9:04
